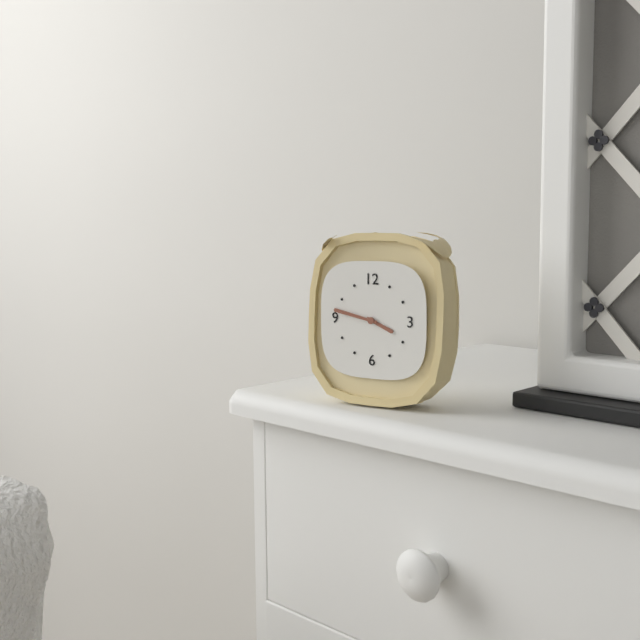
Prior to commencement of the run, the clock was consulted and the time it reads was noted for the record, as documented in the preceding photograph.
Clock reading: 3:47
